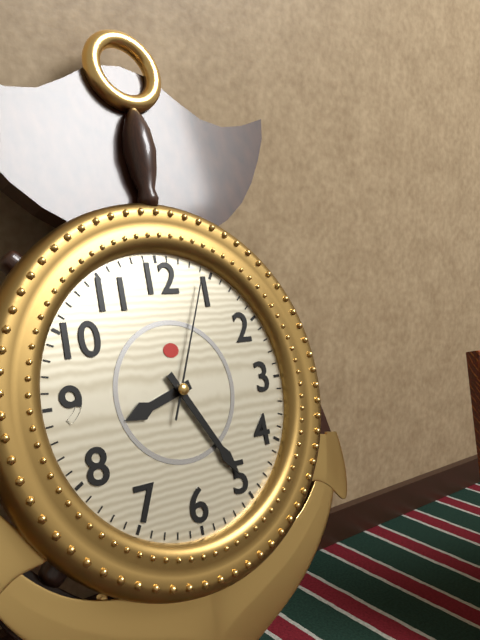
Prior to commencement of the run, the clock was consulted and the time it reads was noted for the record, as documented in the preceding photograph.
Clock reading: 8:25:04
